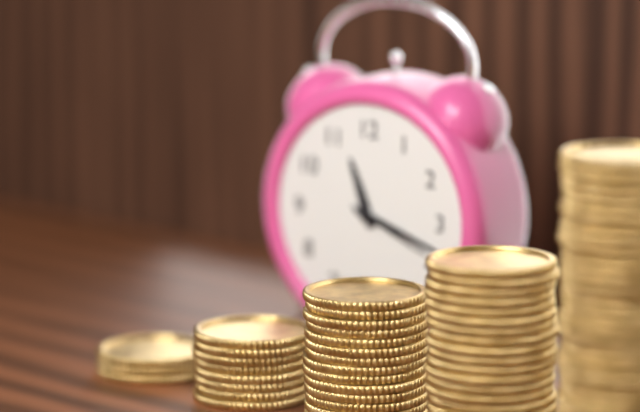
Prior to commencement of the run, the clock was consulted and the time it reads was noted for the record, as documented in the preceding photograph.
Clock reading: 11:18:19
